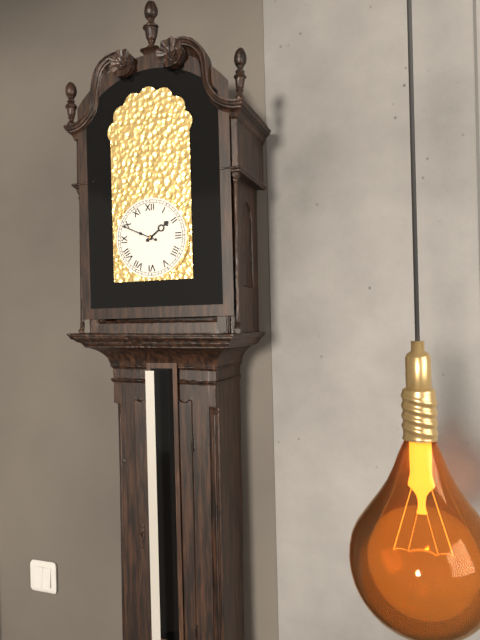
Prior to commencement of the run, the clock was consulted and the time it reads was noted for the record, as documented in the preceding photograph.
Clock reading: 1:49
